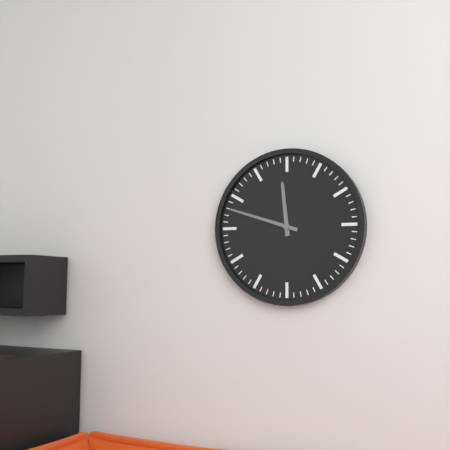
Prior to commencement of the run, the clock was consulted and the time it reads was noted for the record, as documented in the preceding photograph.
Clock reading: 11:48
